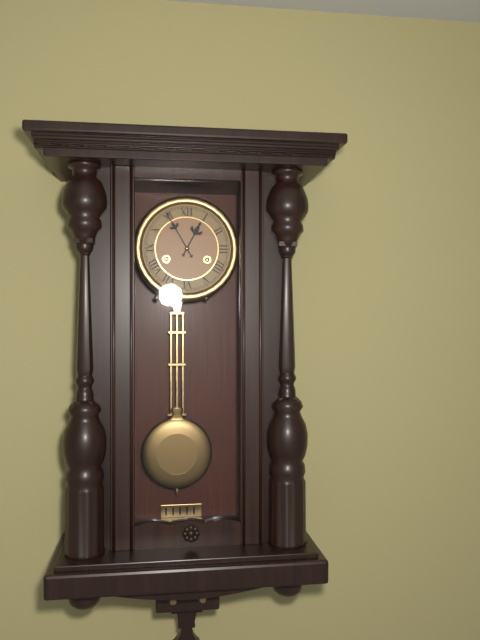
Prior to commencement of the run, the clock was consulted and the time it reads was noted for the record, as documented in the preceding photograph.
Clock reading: 12:55
